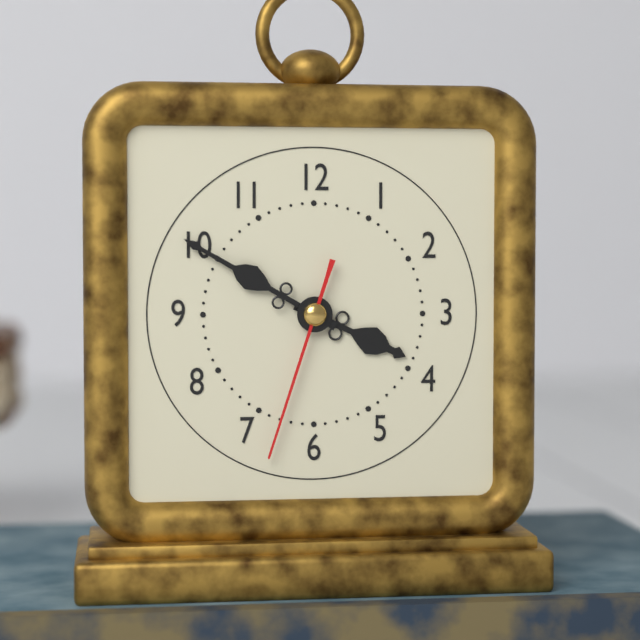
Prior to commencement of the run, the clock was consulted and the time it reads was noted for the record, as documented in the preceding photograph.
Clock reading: 3:50:33
